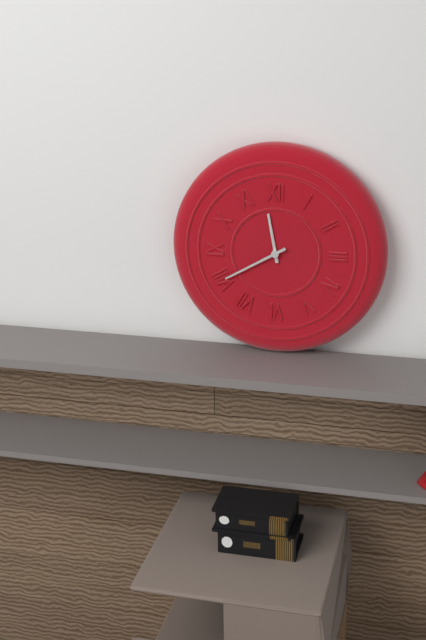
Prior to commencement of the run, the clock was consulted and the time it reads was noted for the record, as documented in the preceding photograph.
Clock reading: 11:40
